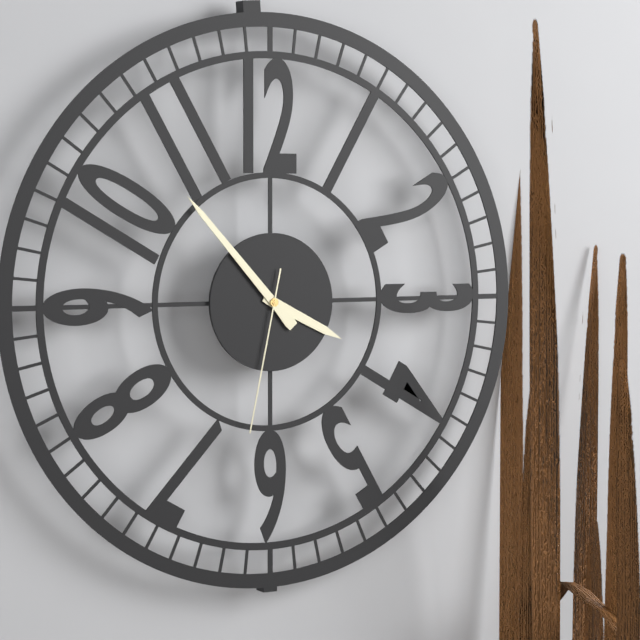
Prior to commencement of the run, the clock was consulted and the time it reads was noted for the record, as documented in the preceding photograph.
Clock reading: 3:53:32
